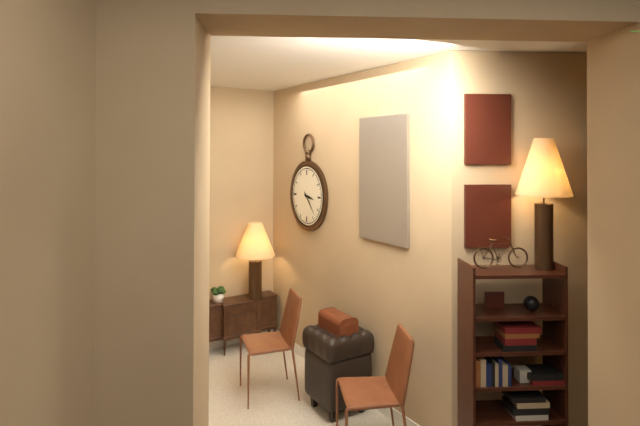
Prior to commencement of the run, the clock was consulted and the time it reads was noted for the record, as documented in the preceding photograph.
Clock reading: 3:23
